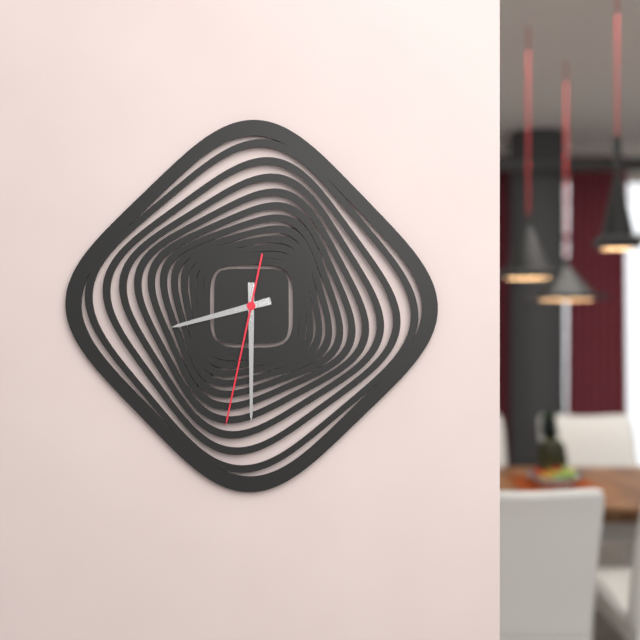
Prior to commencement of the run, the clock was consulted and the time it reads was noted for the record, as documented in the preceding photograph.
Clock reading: 8:30:32
